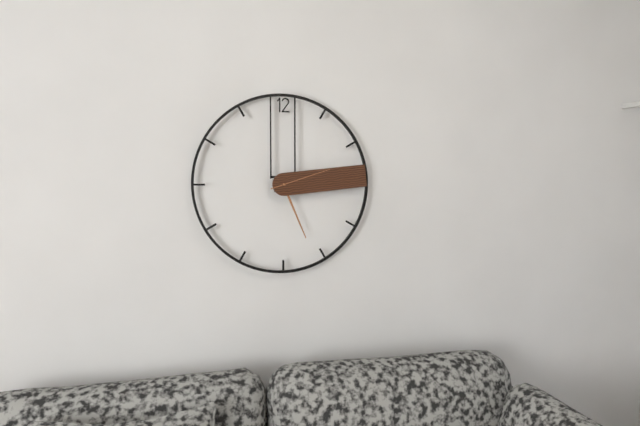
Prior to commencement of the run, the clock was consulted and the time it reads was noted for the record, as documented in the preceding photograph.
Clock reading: 5:14:12
